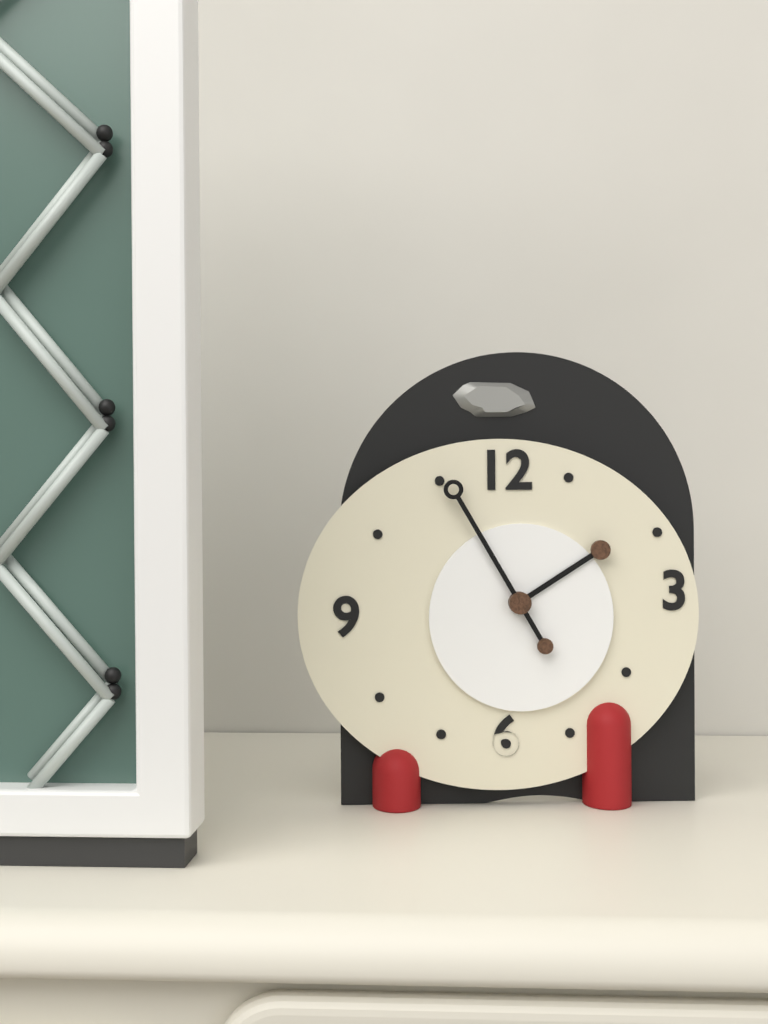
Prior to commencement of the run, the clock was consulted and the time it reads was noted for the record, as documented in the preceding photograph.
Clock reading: 1:55
